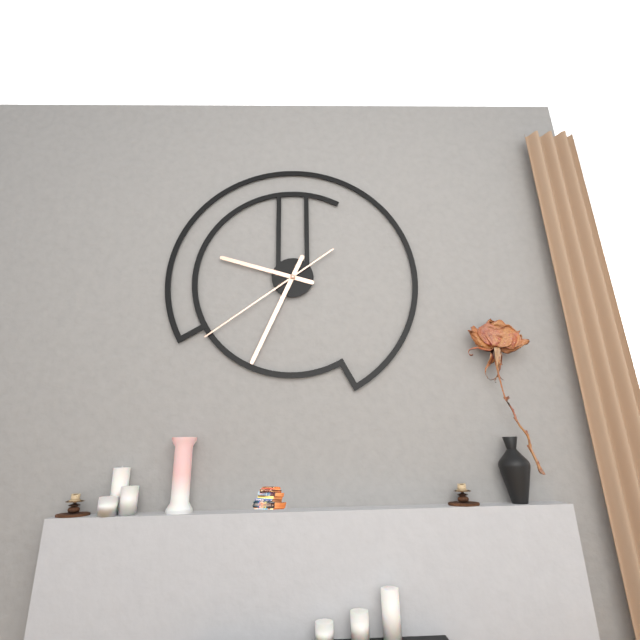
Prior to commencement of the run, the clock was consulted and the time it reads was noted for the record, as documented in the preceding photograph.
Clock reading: 9:34:39
